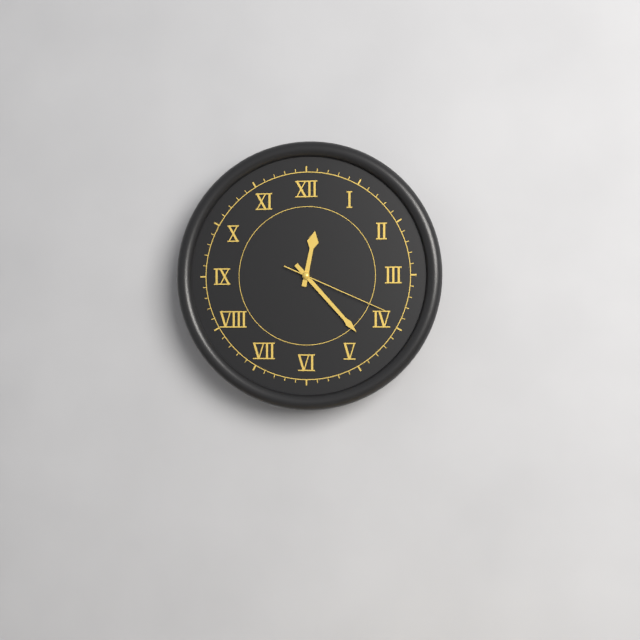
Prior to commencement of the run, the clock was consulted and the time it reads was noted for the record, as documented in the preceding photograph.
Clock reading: 12:23:19
